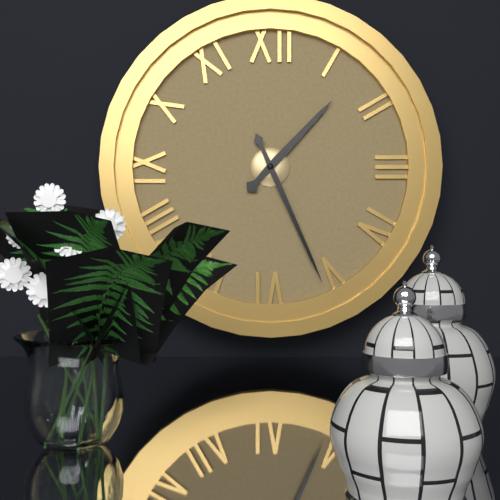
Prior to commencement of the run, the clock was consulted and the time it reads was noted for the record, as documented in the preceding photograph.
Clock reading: 1:26
